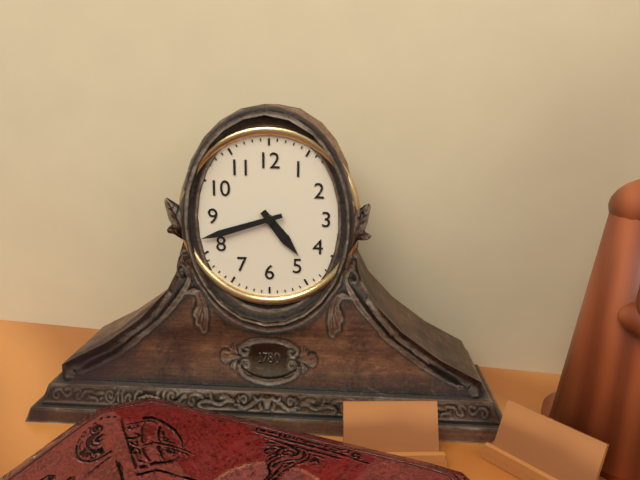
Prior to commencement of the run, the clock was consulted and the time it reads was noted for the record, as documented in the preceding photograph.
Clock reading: 4:42
